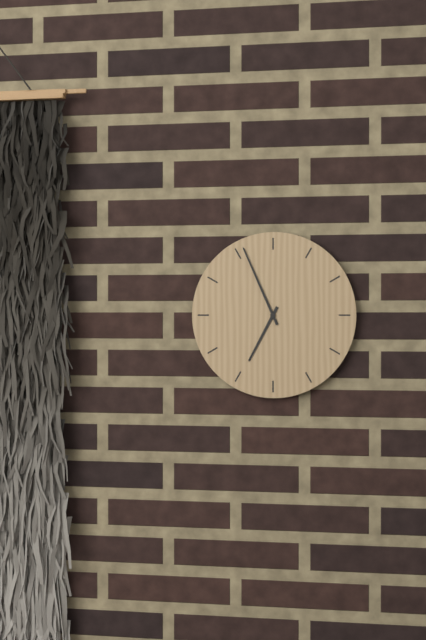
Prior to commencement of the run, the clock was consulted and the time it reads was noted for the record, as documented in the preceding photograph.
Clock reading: 6:56
